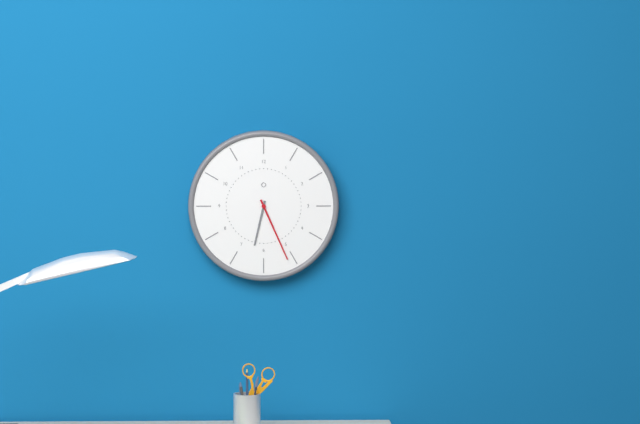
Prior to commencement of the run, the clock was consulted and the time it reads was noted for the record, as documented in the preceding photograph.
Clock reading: 6:26
